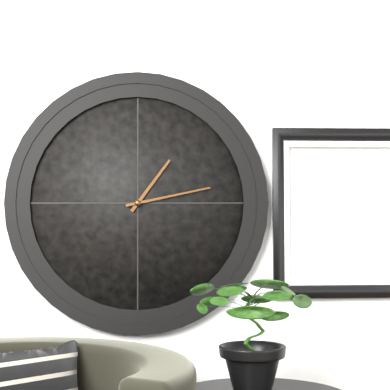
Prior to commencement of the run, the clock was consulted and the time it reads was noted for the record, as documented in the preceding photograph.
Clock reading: 1:13
